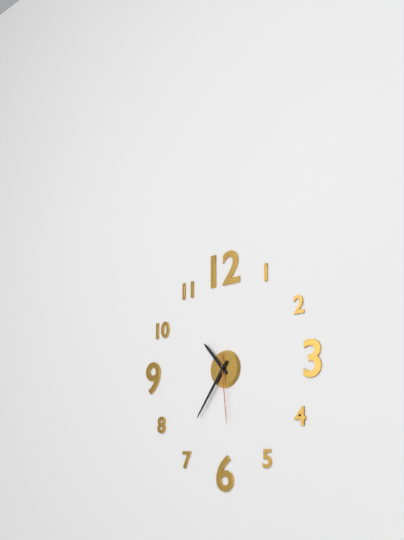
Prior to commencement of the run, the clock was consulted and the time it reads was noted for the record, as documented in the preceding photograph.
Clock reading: 10:36:29
